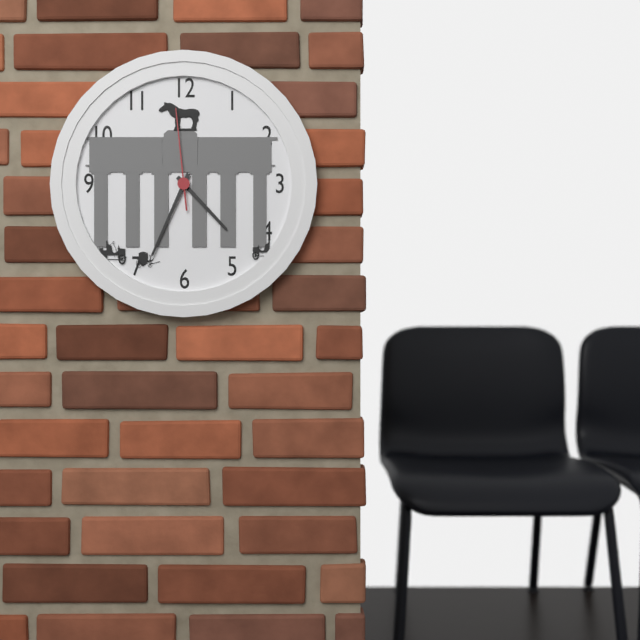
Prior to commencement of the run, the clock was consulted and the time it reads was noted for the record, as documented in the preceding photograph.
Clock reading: 4:34:59
